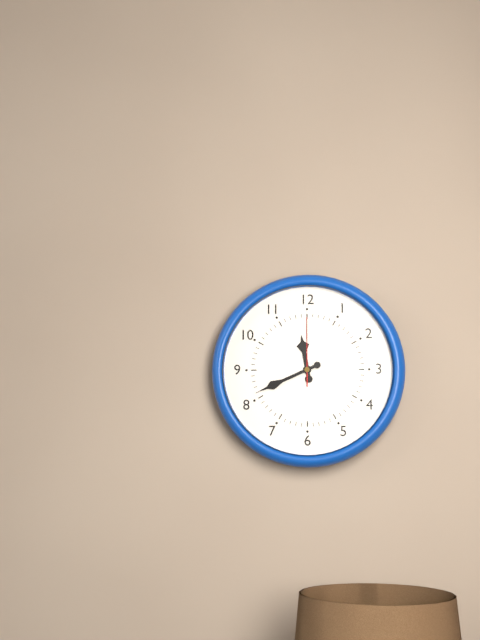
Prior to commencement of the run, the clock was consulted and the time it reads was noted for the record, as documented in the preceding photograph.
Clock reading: 11:41:00
